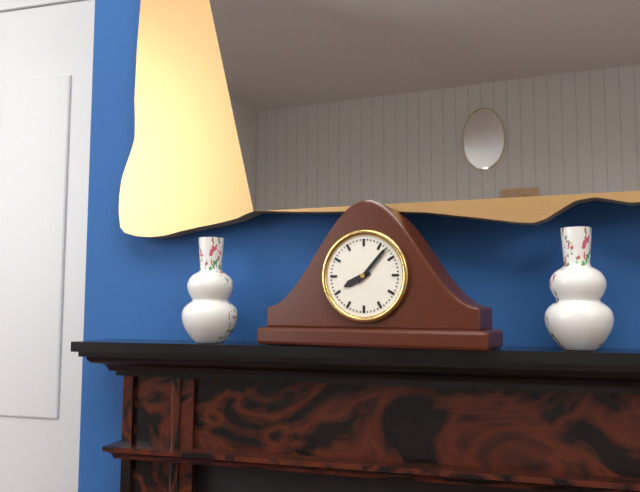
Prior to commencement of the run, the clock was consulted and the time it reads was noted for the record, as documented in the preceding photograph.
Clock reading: 8:07
